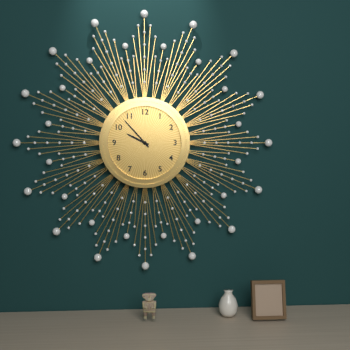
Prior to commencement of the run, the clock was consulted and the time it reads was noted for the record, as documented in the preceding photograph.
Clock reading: 9:53
